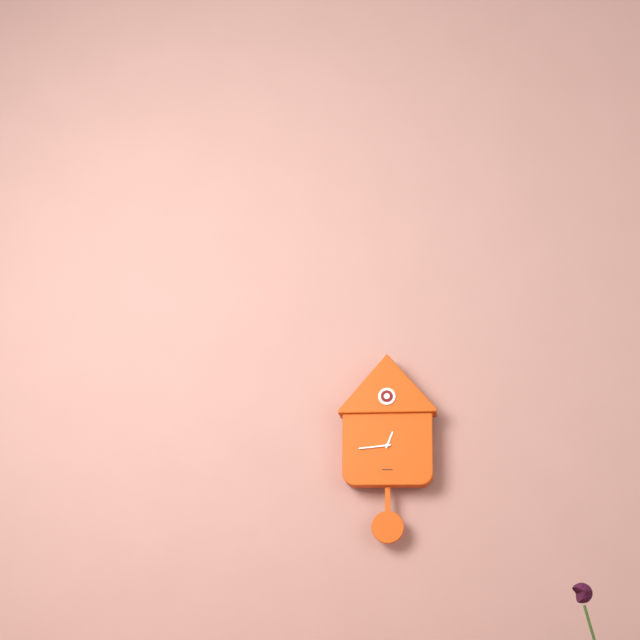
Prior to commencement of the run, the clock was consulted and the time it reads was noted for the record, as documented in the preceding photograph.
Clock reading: 12:44
